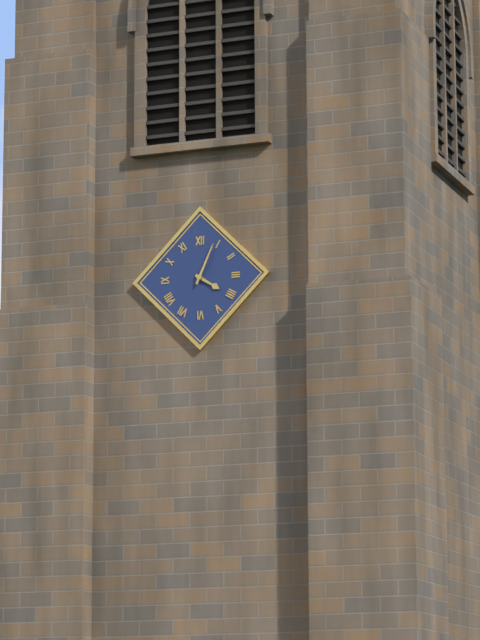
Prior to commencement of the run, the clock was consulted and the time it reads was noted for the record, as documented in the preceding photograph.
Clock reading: 4:04
